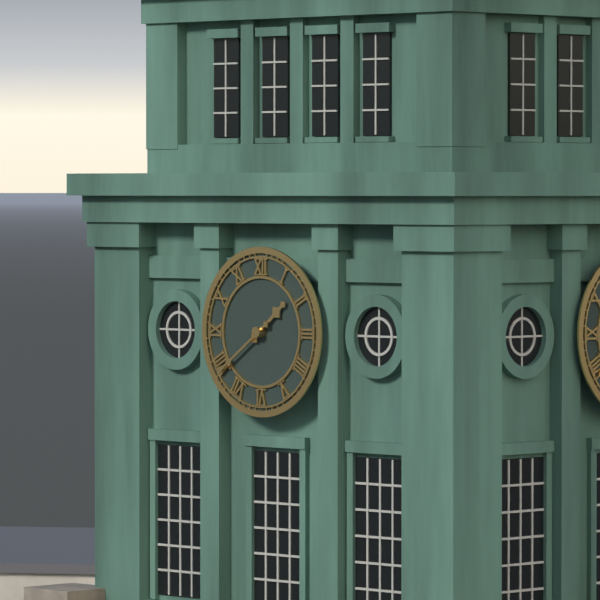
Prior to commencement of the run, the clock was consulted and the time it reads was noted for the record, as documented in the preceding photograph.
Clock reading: 1:39
